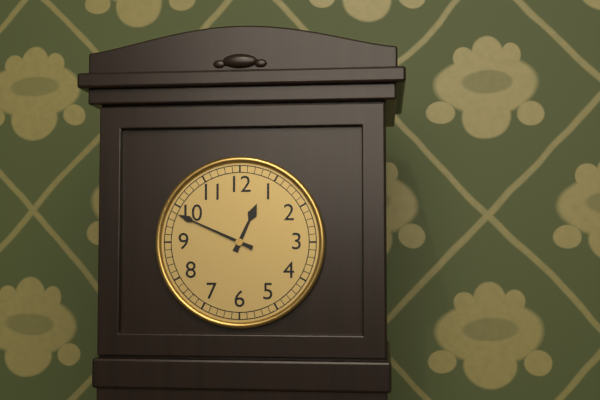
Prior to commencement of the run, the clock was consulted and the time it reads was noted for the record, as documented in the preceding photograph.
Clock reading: 12:49
